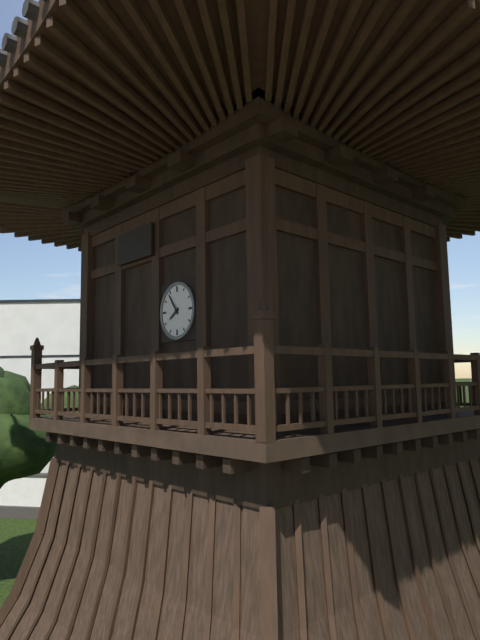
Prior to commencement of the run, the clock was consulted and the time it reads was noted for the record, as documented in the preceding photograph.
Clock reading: 7:54
